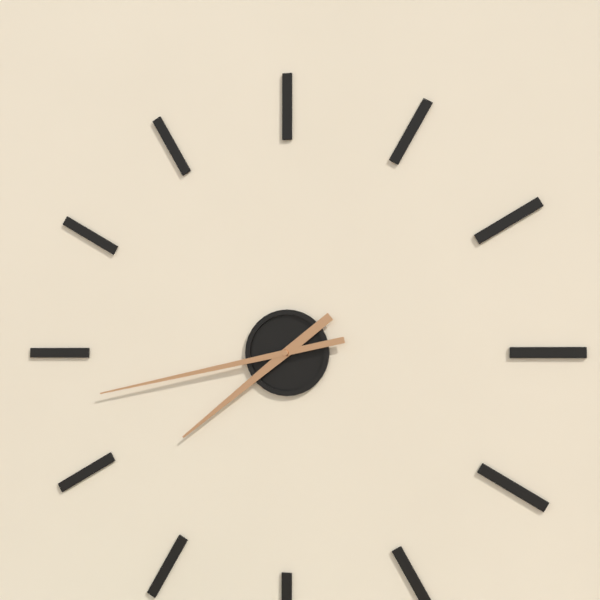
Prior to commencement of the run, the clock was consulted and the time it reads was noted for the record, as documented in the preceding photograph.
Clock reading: 7:43
